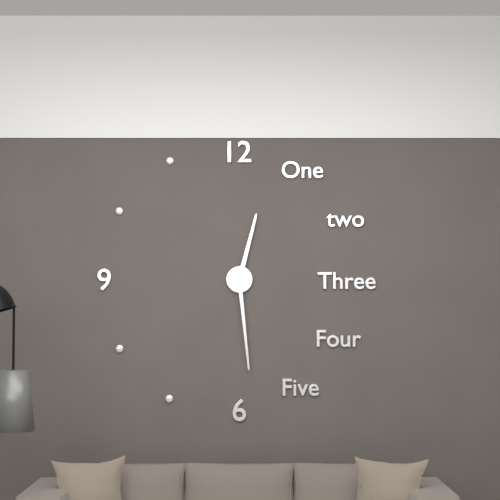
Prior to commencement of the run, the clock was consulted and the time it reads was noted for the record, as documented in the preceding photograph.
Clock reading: 12:29
